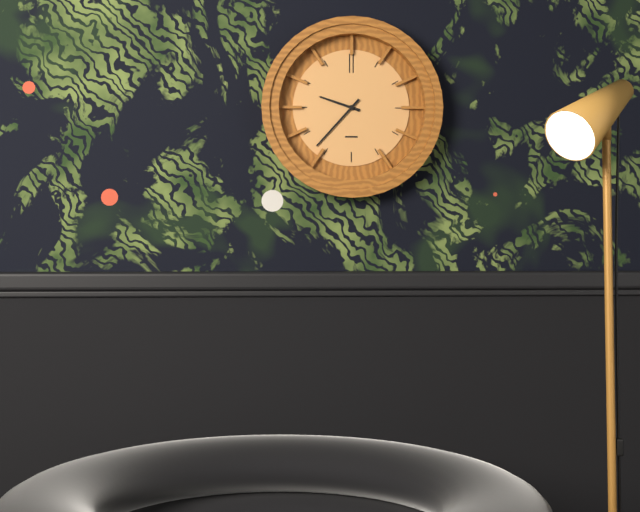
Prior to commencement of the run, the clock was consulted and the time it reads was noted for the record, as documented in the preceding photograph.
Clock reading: 9:37
